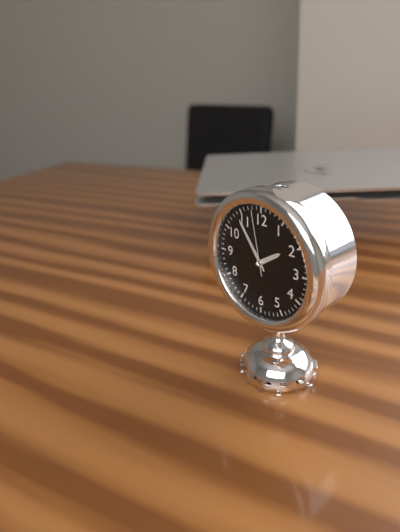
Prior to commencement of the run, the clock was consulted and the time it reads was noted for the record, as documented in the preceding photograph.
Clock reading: 1:54:58
